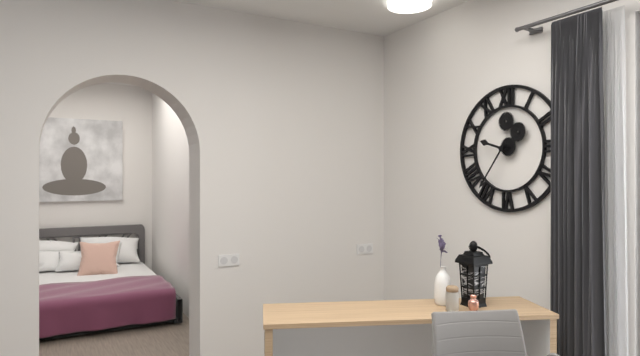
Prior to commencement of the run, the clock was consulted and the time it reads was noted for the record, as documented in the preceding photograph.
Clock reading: 9:36
